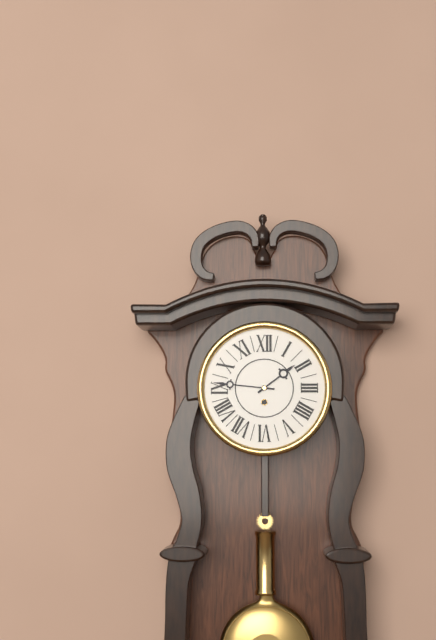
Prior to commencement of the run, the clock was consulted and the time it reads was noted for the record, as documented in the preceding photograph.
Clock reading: 1:46
